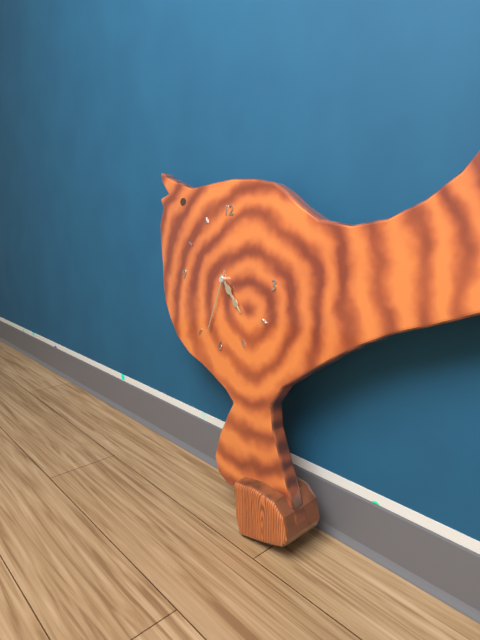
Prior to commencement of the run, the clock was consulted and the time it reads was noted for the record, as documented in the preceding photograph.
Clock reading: 4:33
